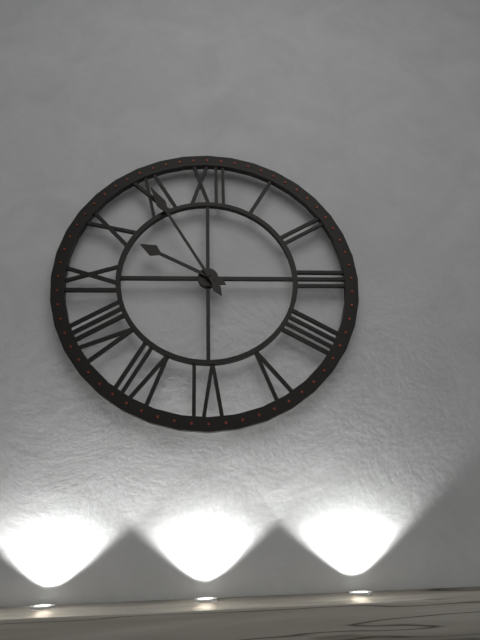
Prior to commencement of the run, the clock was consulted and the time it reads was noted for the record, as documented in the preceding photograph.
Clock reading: 9:55
